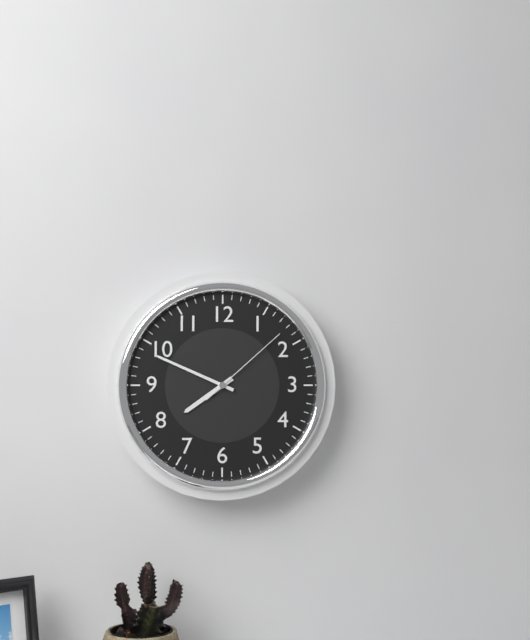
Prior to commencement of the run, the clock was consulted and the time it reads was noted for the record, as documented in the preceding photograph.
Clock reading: 7:49:08
